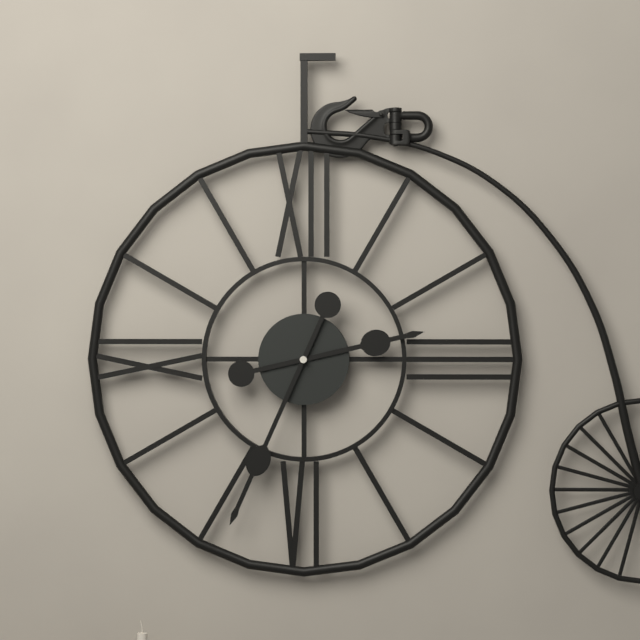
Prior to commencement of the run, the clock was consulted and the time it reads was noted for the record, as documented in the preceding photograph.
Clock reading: 2:34
